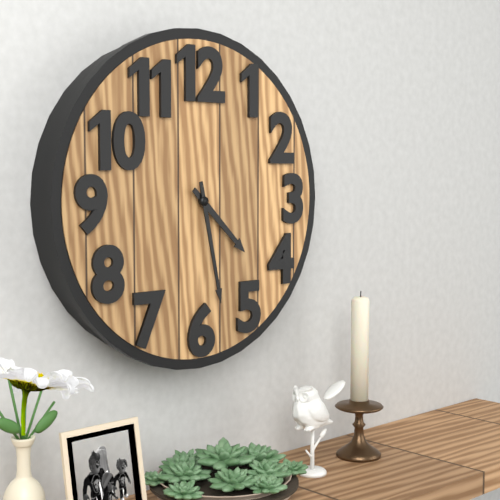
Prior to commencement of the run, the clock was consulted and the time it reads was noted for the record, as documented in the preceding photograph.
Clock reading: 4:28
